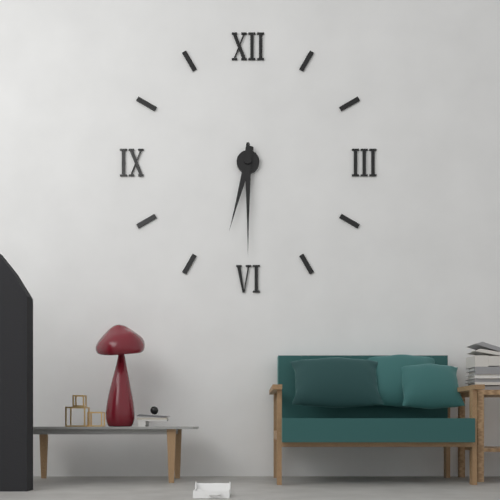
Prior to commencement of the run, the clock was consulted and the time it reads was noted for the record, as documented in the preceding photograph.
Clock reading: 6:30
